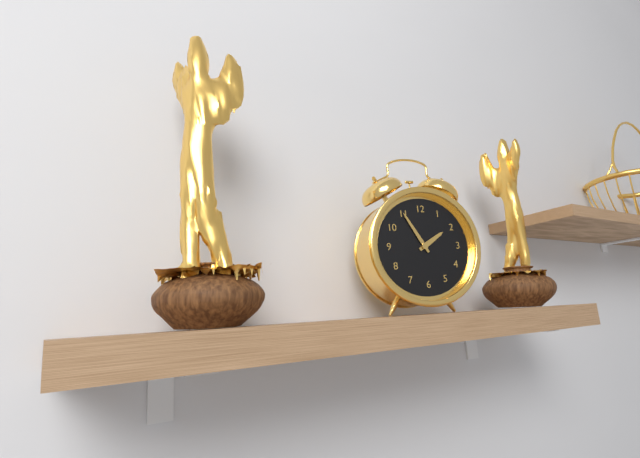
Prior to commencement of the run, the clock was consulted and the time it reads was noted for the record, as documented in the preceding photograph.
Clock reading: 1:55
